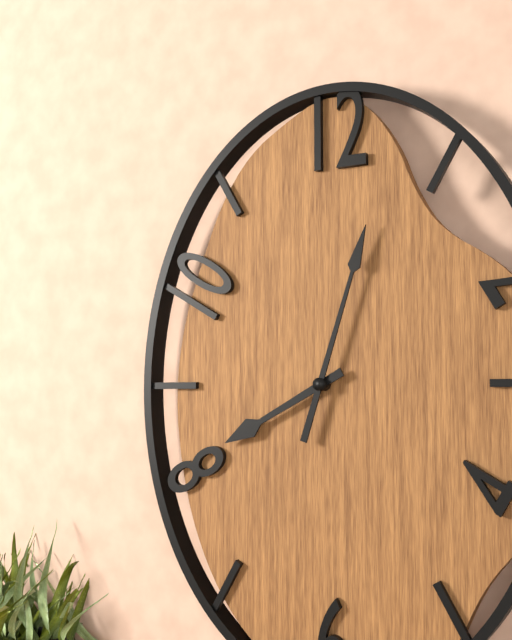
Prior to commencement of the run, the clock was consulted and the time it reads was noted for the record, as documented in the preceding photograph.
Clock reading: 8:03
